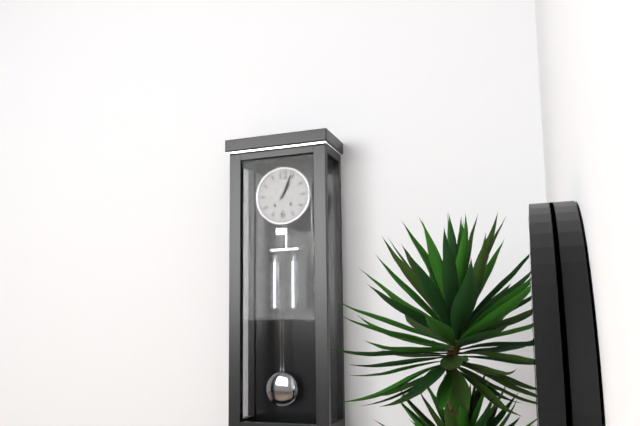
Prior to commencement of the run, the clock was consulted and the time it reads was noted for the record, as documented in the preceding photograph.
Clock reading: 1:04
